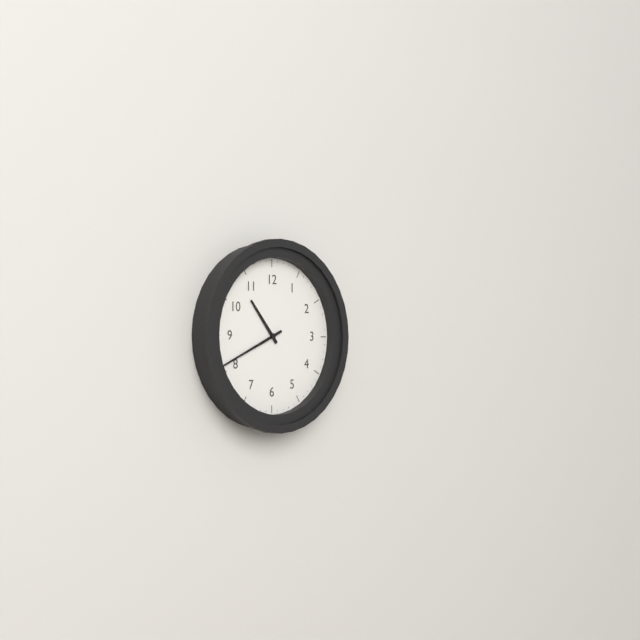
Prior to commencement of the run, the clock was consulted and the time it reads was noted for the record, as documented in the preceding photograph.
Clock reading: 10:41
